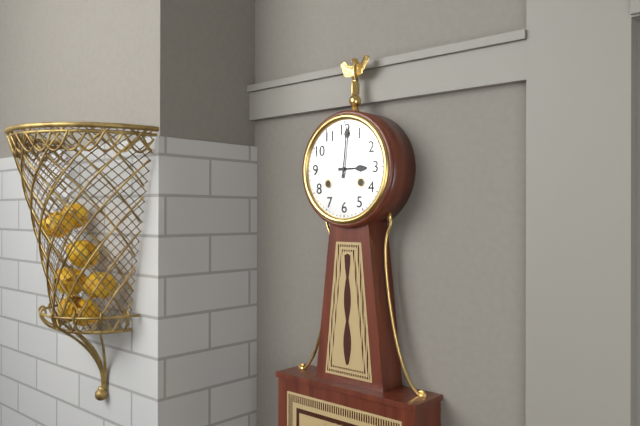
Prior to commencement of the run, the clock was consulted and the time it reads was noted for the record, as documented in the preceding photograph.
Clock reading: 3:01
